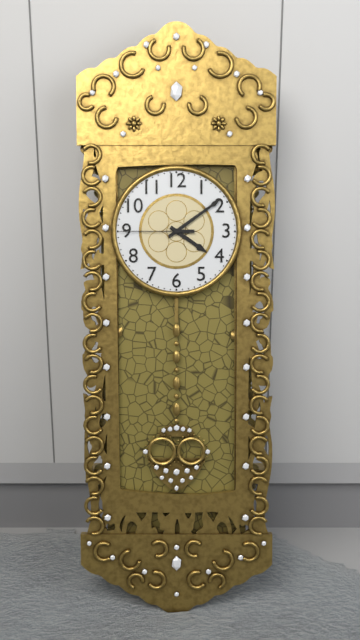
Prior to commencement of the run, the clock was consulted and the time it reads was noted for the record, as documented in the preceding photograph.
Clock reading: 4:09:45
